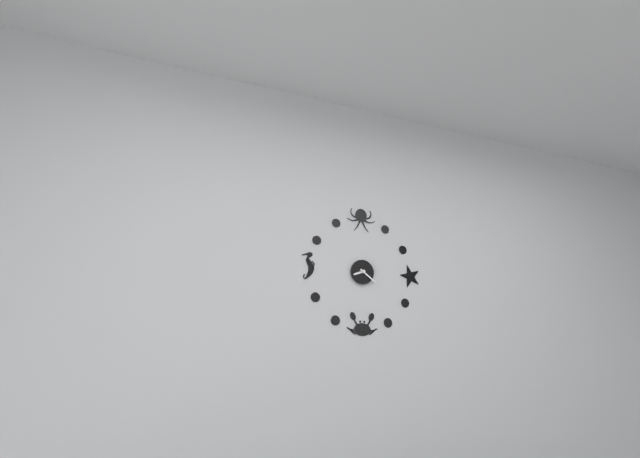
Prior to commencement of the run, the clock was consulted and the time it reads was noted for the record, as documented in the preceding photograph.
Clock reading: 8:21
